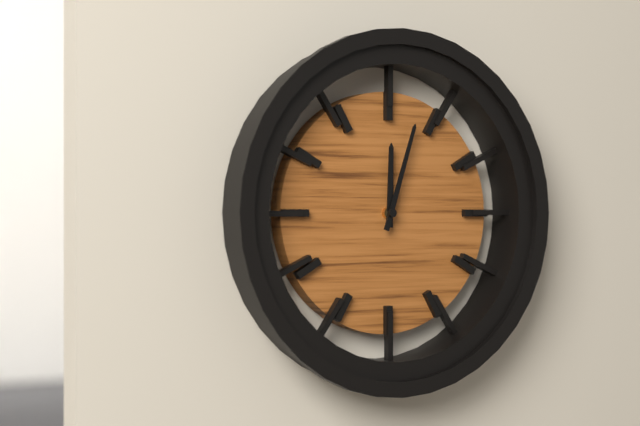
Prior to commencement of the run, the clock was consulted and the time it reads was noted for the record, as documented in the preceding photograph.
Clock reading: 12:03
